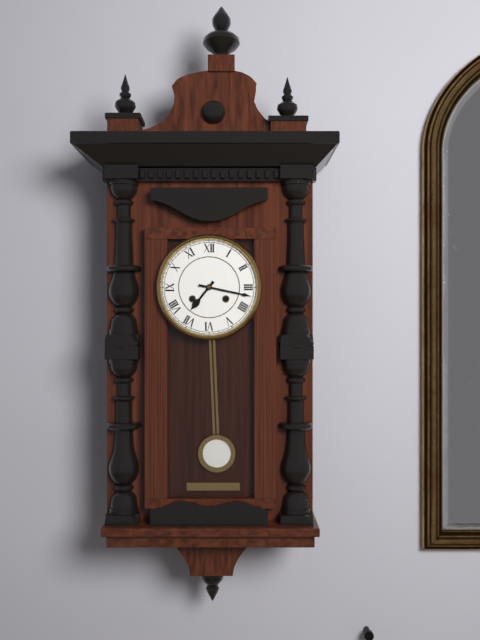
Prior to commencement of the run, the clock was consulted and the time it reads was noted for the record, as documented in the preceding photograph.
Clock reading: 7:17
